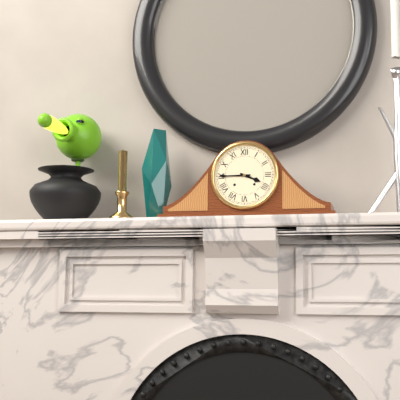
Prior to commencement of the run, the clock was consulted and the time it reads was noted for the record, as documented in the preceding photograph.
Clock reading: 3:45
